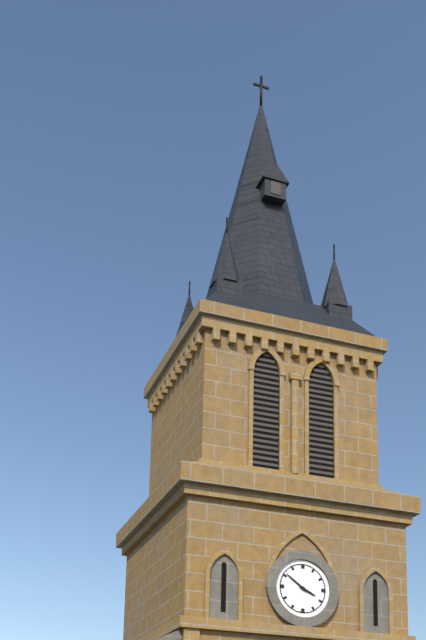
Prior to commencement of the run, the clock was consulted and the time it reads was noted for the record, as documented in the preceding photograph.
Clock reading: 3:51
